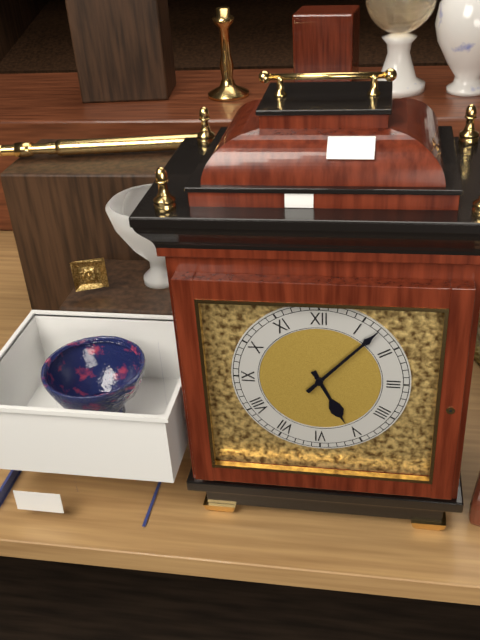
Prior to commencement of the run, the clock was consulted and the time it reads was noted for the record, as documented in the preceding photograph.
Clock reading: 5:07
